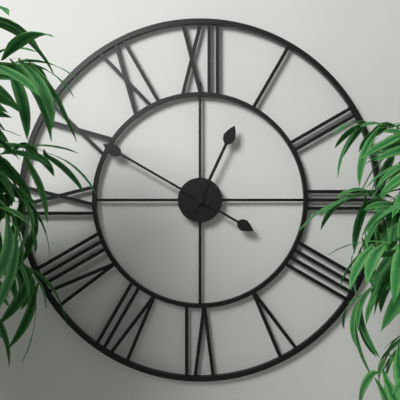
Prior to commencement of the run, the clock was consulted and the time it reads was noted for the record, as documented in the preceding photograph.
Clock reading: 12:50
